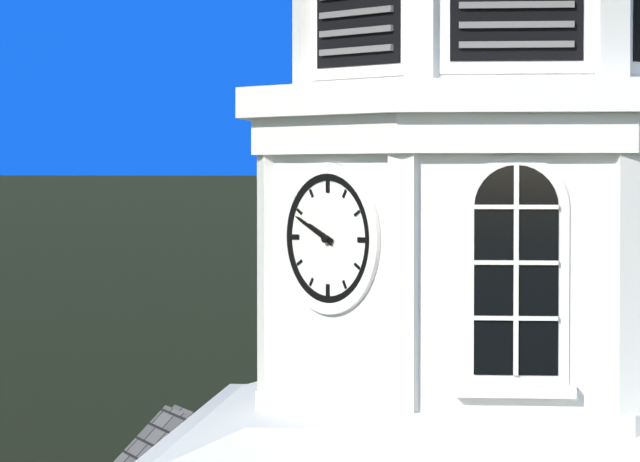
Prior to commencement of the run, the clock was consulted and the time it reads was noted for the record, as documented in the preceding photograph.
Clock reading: 9:49
